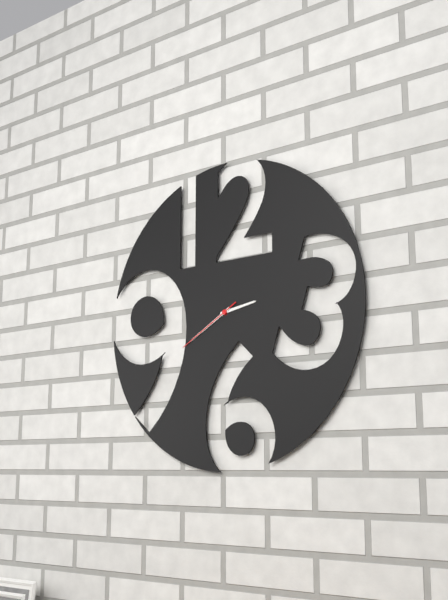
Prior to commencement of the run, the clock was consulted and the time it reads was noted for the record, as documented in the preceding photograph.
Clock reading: 2:40:40
